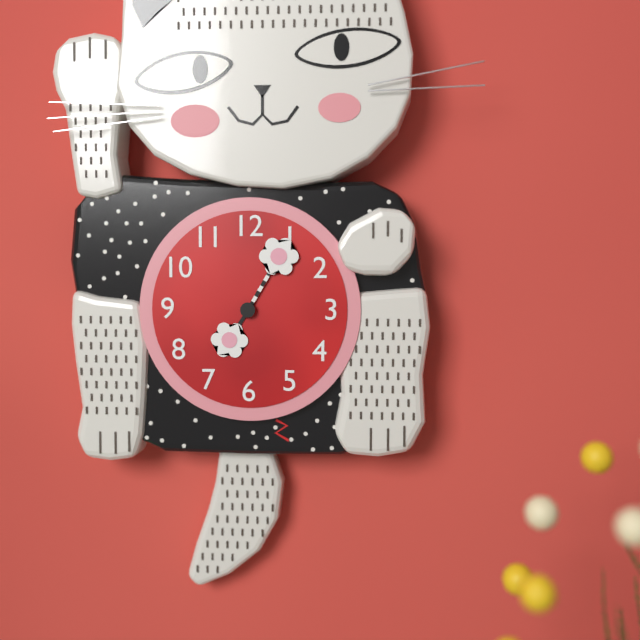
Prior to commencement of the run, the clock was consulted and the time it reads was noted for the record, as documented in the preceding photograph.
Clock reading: 7:05
